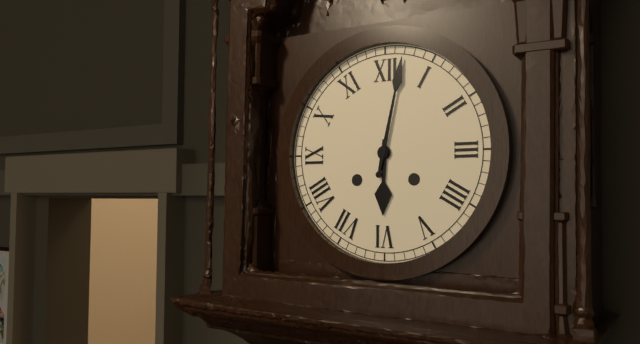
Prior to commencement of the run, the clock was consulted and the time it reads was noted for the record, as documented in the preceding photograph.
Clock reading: 6:02
